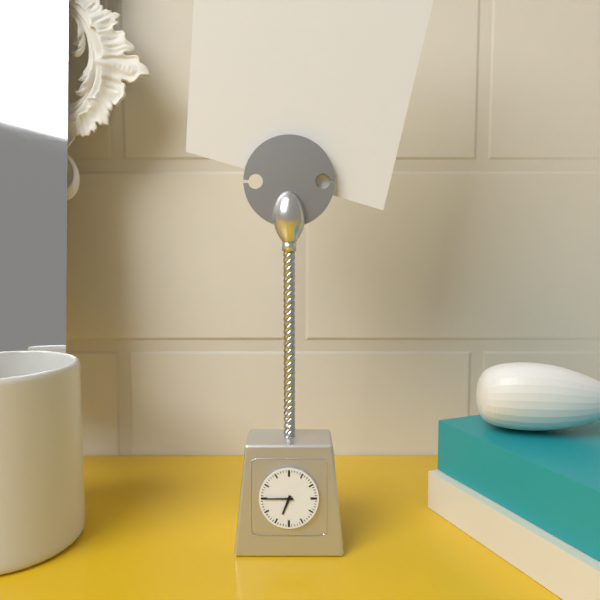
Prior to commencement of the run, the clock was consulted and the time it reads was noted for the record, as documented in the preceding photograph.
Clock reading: 6:45
